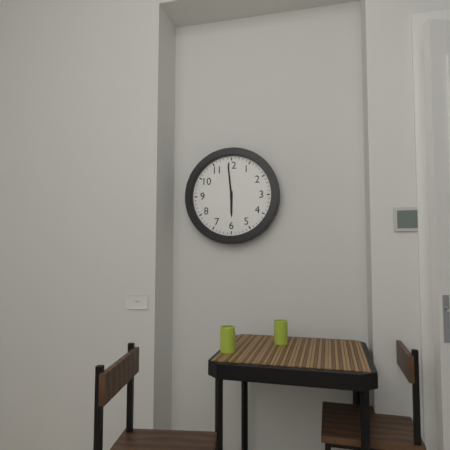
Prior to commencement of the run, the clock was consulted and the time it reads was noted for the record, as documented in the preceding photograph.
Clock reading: 5:59
